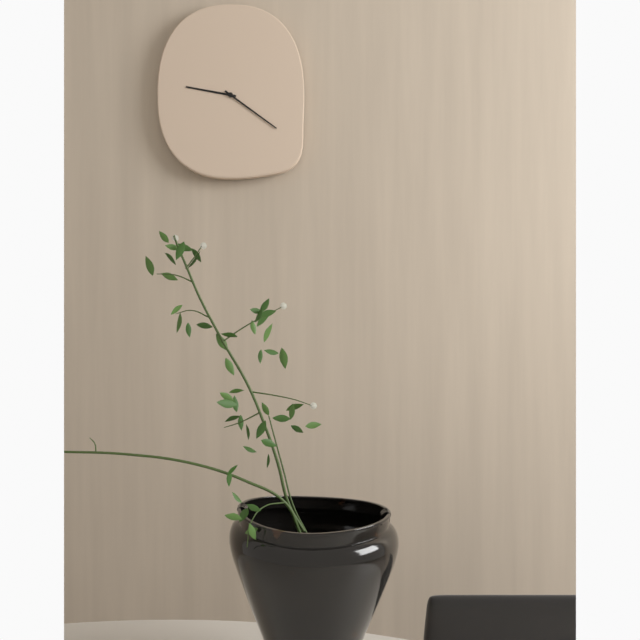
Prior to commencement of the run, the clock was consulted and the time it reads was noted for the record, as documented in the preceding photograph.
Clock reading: 9:21
